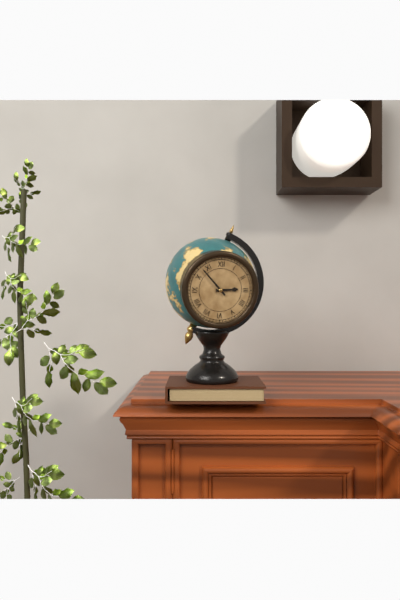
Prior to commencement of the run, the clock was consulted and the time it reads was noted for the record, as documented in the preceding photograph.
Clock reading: 2:53
